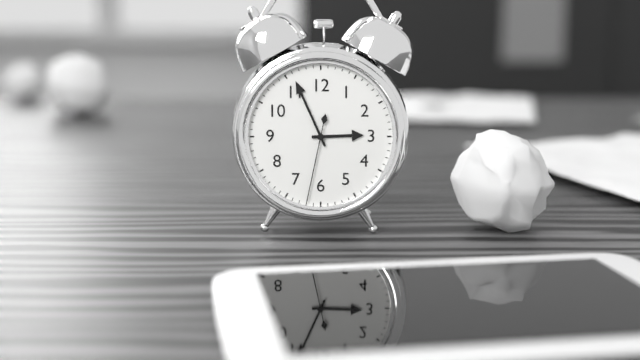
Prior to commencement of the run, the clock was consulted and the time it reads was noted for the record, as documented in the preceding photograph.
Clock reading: 2:56:32
